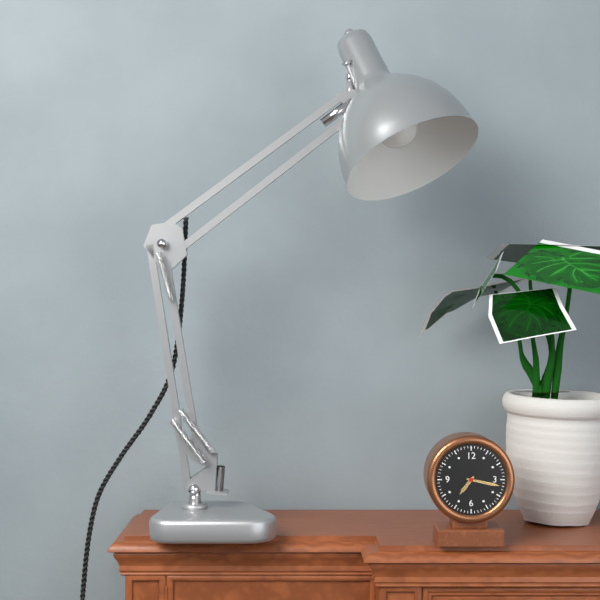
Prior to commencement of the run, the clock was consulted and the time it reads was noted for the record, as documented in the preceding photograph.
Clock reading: 7:17
